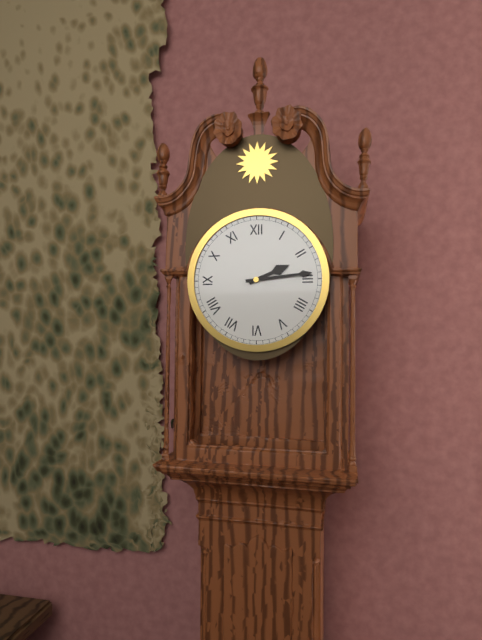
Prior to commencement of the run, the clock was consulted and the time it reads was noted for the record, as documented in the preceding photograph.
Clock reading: 2:14
